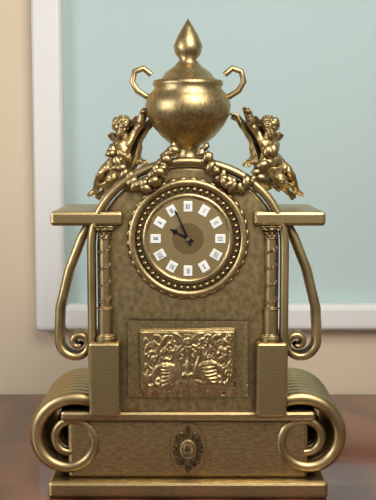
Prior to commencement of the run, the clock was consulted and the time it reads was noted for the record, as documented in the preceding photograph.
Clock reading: 9:56
